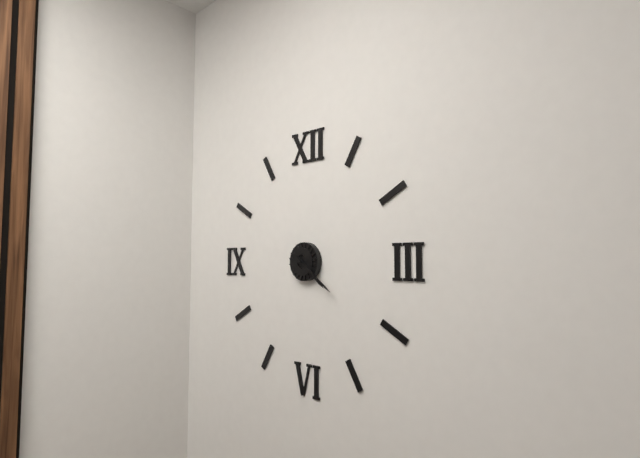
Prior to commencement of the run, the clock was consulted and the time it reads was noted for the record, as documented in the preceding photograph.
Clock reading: 4:21
